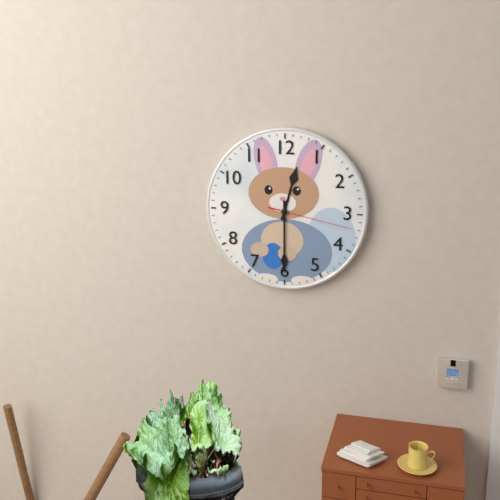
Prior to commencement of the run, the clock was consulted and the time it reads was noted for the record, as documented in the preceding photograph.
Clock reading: 12:30:17
